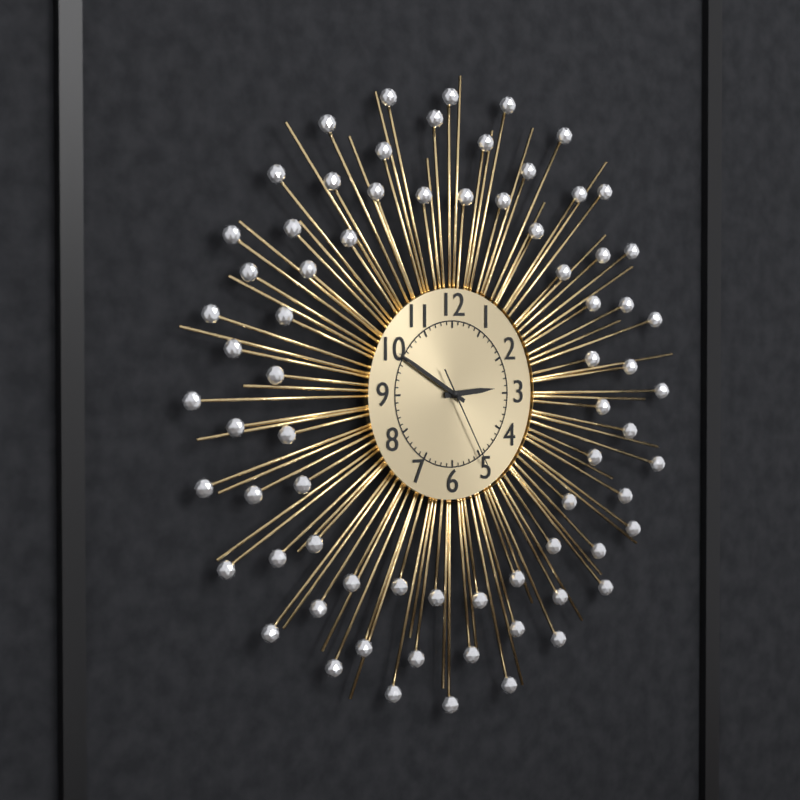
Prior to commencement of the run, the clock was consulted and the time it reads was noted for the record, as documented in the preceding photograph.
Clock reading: 2:50:25
